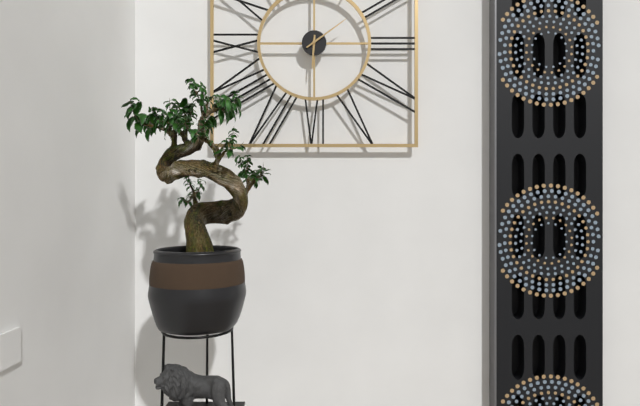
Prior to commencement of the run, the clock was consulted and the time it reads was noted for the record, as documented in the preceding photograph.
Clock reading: 6:09
